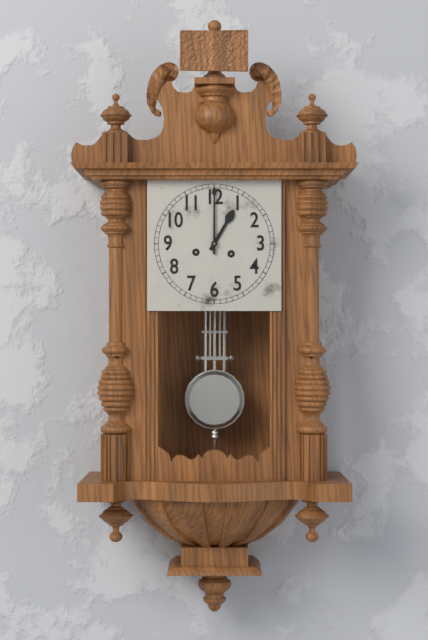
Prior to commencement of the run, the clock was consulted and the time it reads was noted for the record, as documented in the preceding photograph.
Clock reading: 1:00
